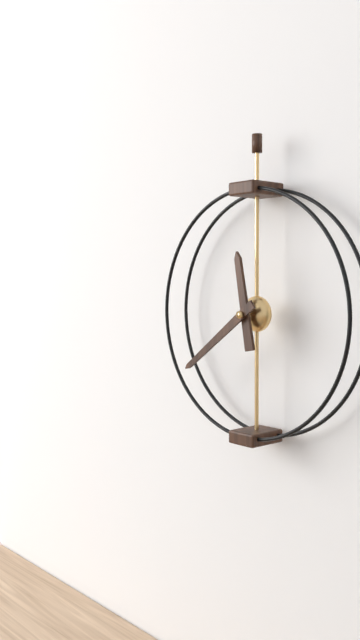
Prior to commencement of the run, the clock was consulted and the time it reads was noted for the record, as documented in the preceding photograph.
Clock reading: 11:39
